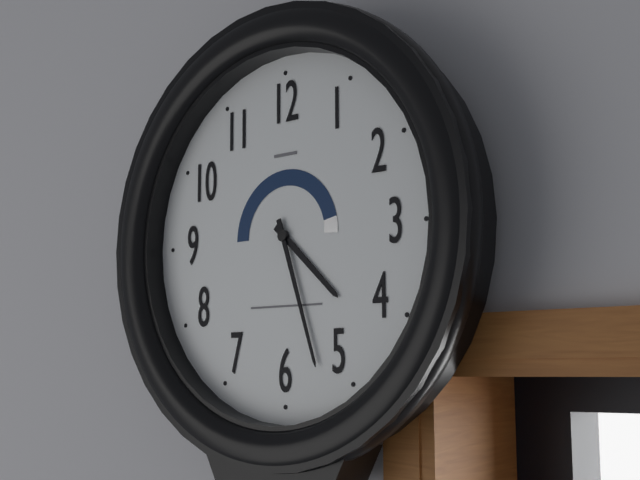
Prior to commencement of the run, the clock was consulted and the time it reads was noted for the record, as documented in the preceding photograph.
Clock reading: 4:27
